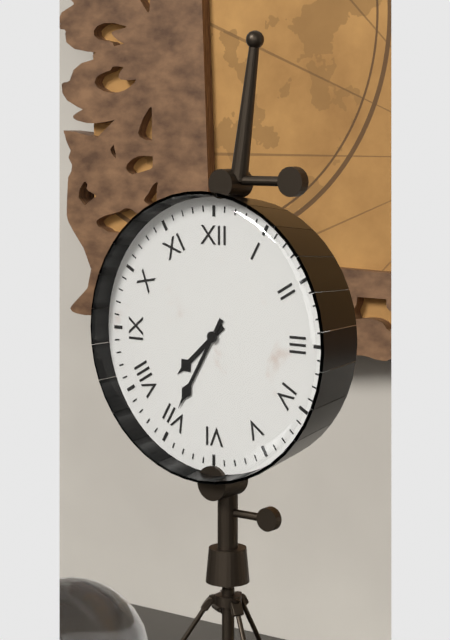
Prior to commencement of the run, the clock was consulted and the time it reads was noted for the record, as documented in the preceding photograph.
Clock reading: 7:35
